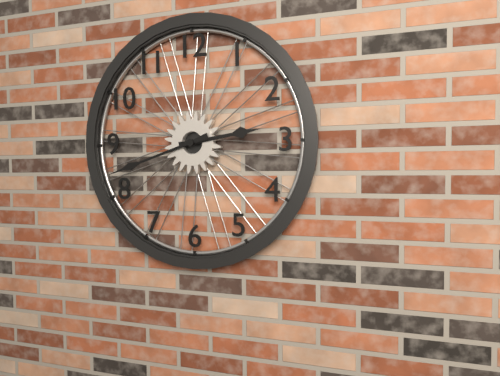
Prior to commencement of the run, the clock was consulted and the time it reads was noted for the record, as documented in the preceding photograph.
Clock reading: 2:42
